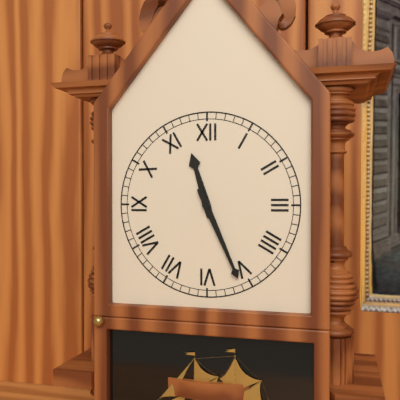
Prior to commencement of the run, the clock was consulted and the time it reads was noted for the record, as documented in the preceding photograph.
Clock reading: 11:26
